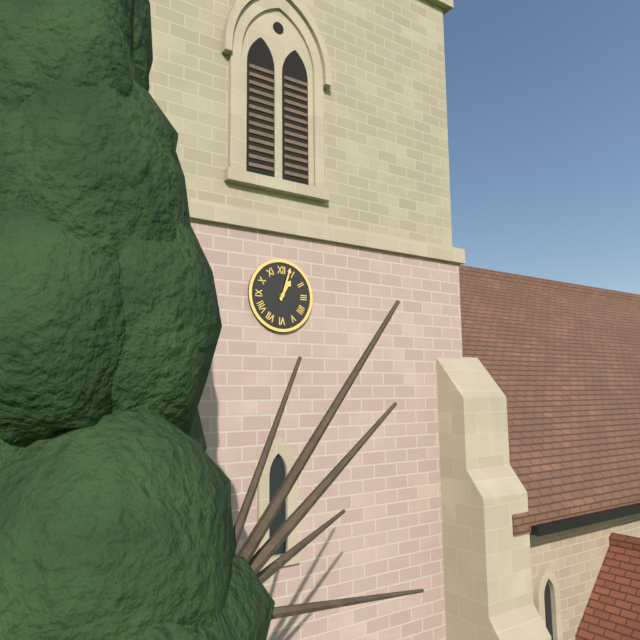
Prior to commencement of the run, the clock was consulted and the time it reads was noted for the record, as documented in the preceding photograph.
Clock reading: 1:03
